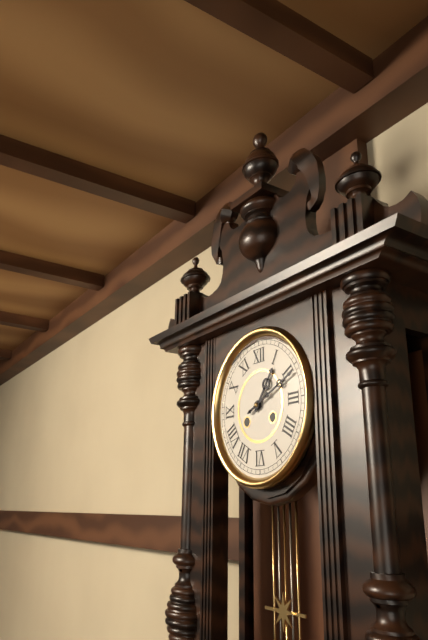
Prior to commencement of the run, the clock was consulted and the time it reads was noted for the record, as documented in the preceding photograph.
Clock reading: 1:11
